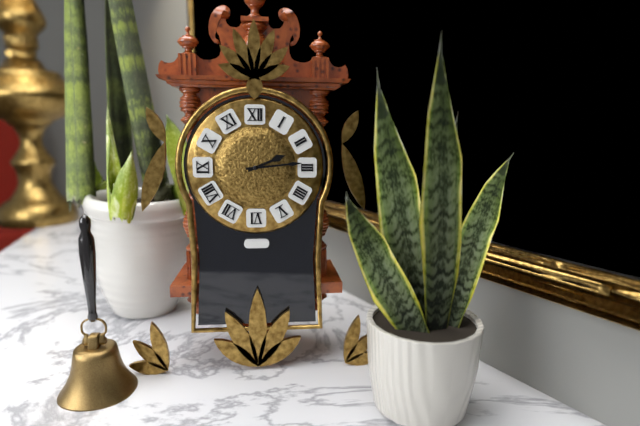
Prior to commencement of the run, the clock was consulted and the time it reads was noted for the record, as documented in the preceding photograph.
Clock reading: 2:14
